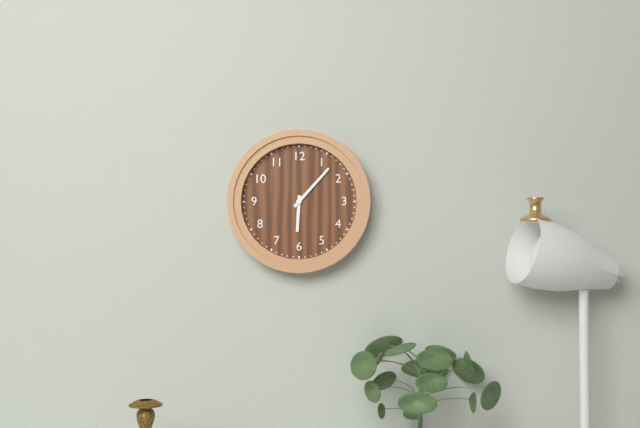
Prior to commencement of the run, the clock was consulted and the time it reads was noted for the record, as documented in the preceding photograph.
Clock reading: 6:07
